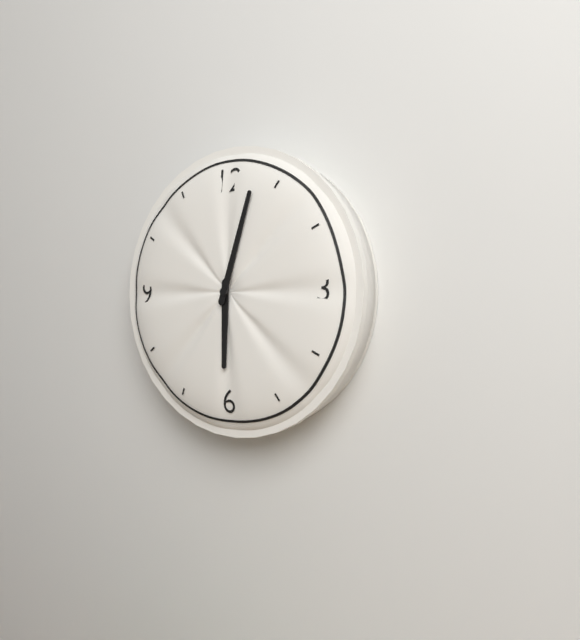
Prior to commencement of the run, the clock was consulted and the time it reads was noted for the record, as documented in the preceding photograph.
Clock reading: 6:03
